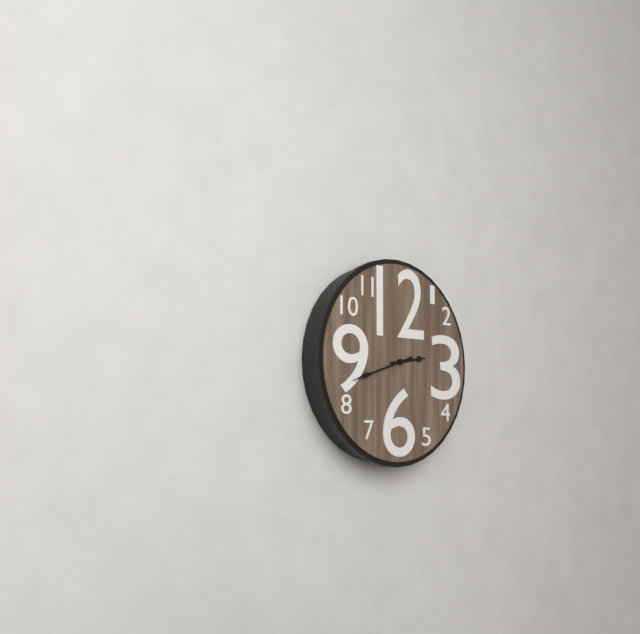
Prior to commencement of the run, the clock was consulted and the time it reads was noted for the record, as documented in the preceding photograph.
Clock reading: 2:42
